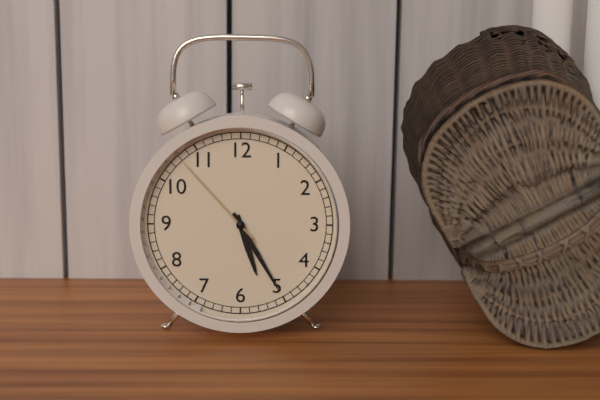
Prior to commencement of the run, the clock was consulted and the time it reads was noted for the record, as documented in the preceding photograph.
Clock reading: 5:25:53
